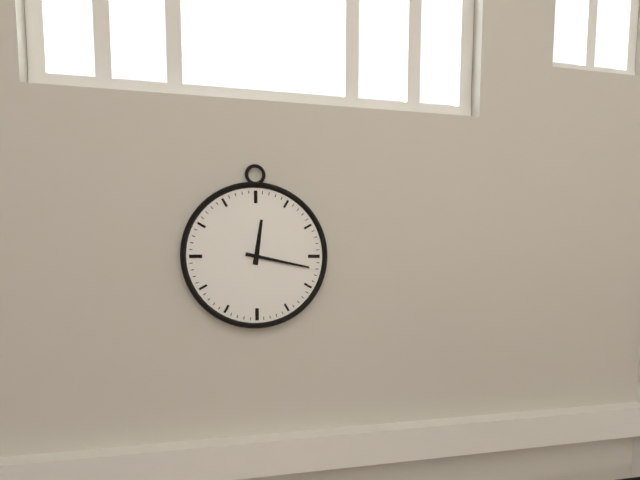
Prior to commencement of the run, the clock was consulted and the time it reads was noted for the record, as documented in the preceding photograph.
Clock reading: 12:17
